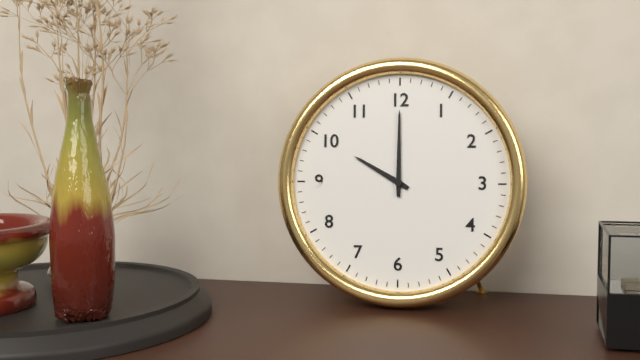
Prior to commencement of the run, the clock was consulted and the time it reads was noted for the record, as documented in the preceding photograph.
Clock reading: 10:00
